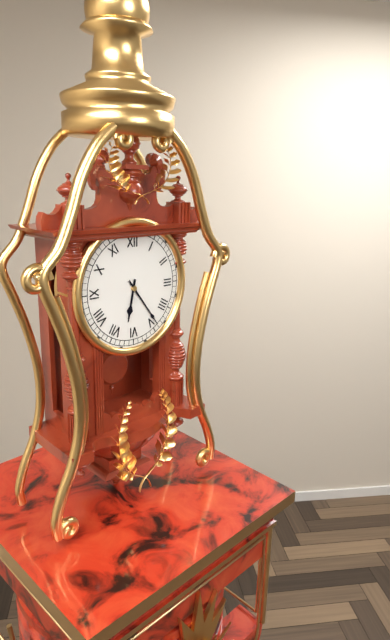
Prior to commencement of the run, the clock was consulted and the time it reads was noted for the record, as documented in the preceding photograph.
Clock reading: 6:24
